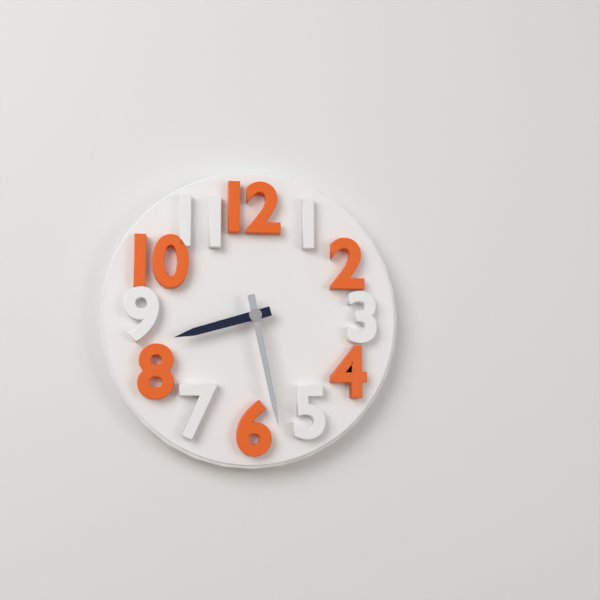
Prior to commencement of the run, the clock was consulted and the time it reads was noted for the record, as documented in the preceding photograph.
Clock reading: 8:28
